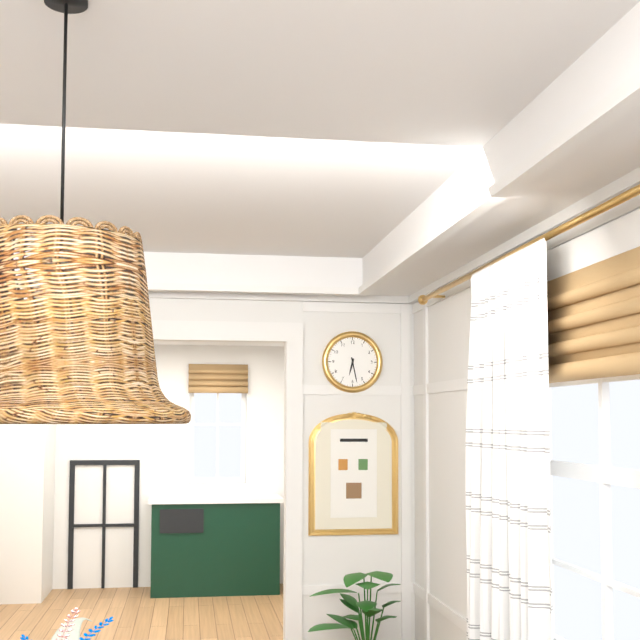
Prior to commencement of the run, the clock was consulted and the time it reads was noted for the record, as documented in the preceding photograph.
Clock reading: 6:28
